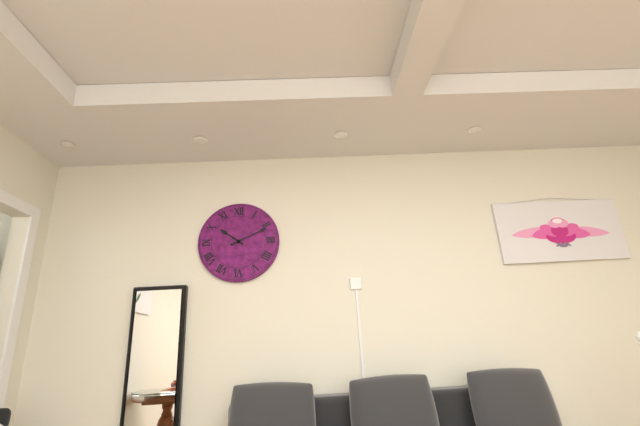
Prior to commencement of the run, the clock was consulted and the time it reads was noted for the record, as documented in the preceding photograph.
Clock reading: 10:11
